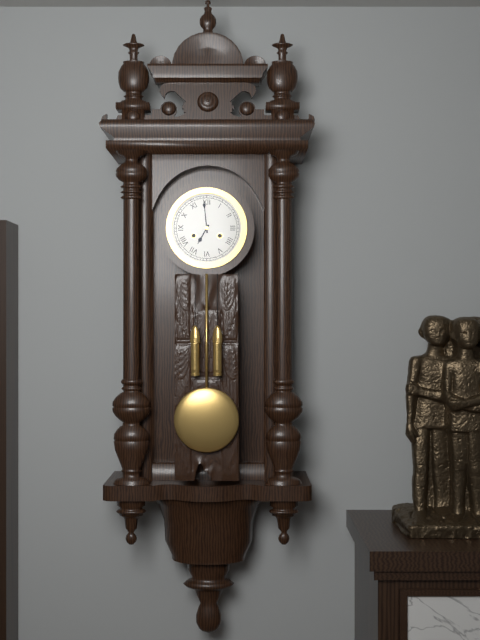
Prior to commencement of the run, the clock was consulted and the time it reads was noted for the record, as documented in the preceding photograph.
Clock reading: 6:59
